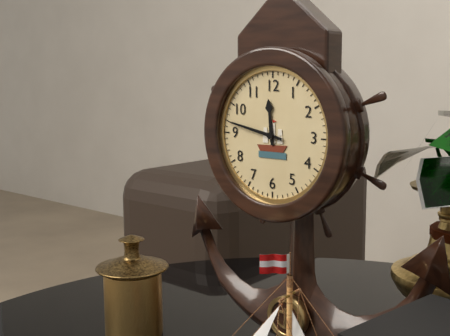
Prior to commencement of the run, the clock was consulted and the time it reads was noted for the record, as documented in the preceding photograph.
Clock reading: 11:47
